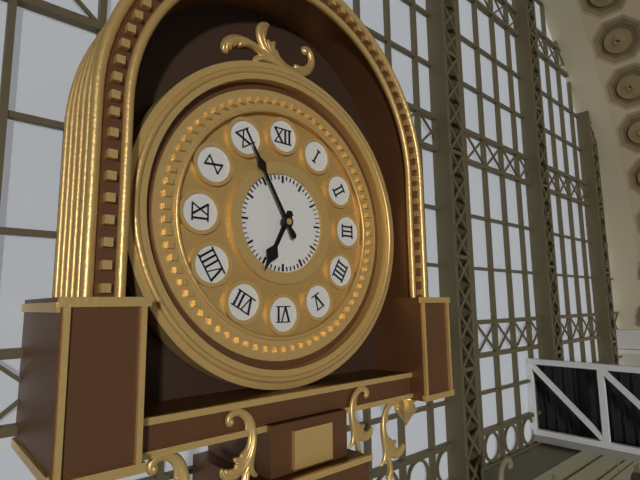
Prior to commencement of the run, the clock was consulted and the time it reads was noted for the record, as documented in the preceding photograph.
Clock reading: 6:55
